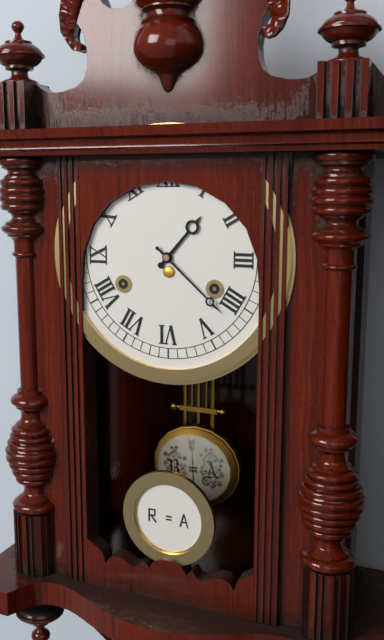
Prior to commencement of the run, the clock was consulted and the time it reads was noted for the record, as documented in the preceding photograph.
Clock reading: 1:22
